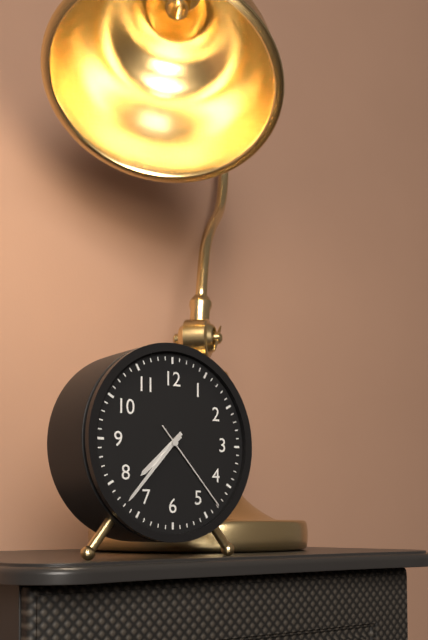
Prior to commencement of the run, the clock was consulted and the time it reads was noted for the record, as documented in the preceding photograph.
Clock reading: 7:37:23
